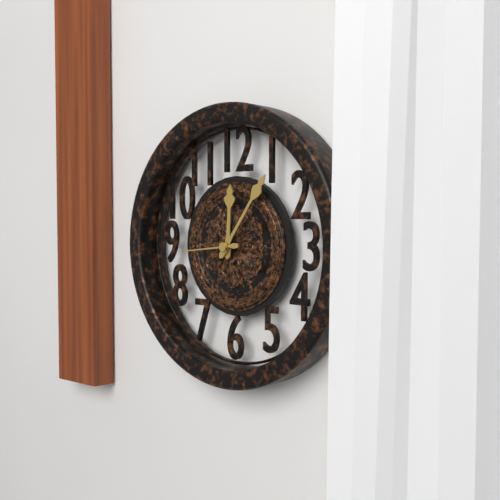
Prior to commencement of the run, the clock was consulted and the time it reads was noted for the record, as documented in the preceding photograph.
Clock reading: 12:06:44
